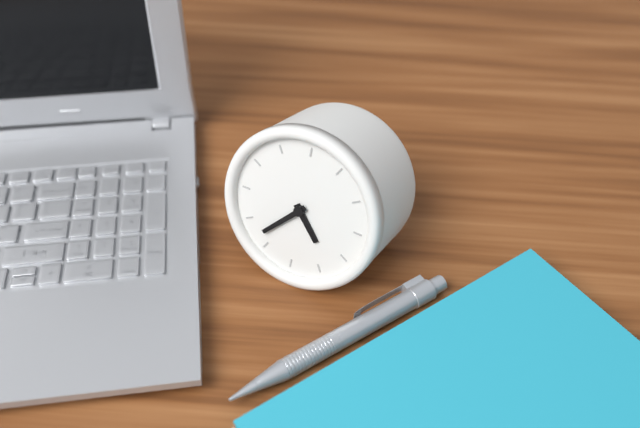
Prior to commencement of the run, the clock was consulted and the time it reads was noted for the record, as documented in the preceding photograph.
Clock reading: 4:37
